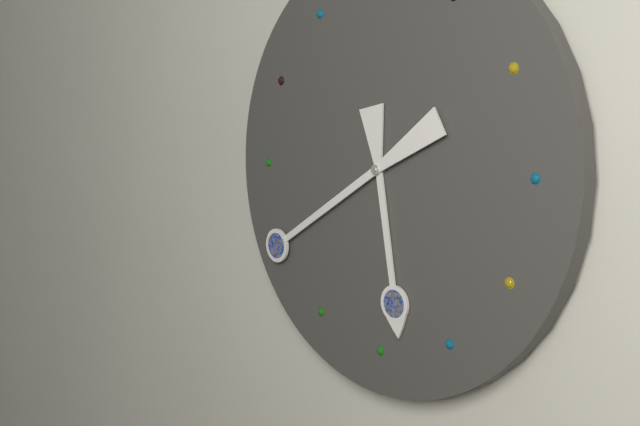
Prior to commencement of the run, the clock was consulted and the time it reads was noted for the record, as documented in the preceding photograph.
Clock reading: 5:40
